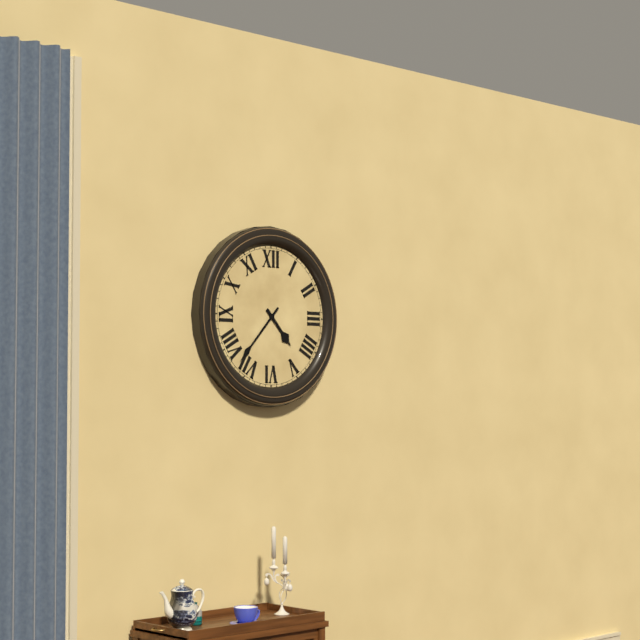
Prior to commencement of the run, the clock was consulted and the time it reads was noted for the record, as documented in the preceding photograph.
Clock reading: 4:37
